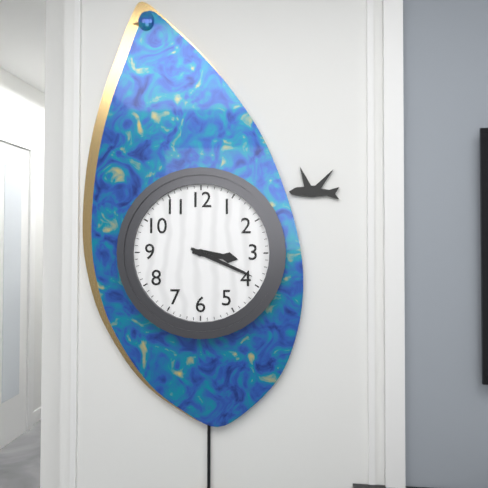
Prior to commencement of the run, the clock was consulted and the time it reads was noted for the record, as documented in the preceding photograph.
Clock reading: 3:19
